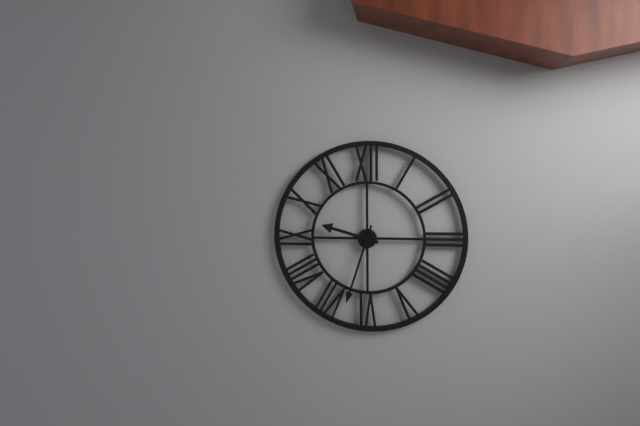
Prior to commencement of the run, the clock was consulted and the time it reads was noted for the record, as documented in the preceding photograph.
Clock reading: 9:33
